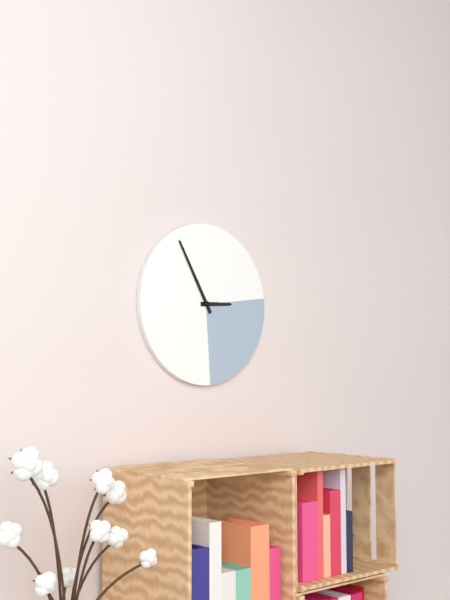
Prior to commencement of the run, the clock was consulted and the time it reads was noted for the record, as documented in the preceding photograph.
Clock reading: 2:55
